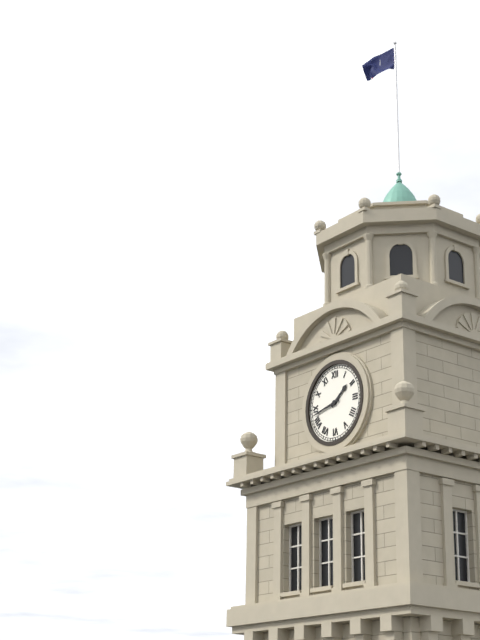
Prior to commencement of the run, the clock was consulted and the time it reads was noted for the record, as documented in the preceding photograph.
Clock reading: 1:43
